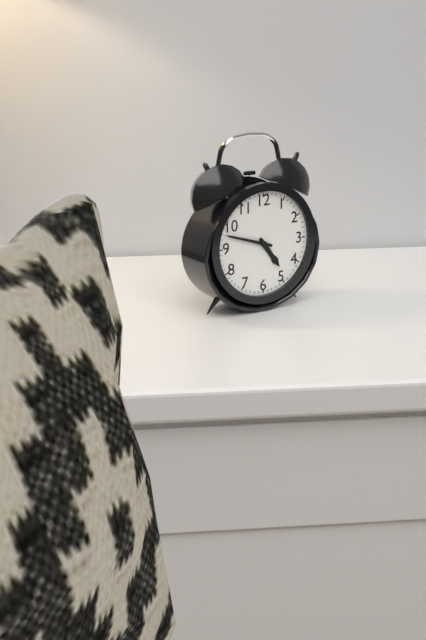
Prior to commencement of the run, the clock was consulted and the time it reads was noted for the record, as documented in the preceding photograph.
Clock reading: 4:48
